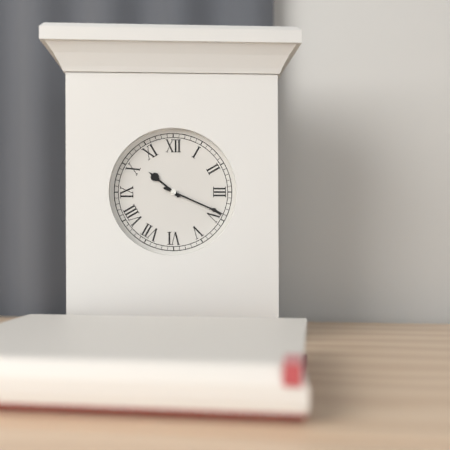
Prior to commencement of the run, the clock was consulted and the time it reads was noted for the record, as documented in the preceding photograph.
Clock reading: 10:19
